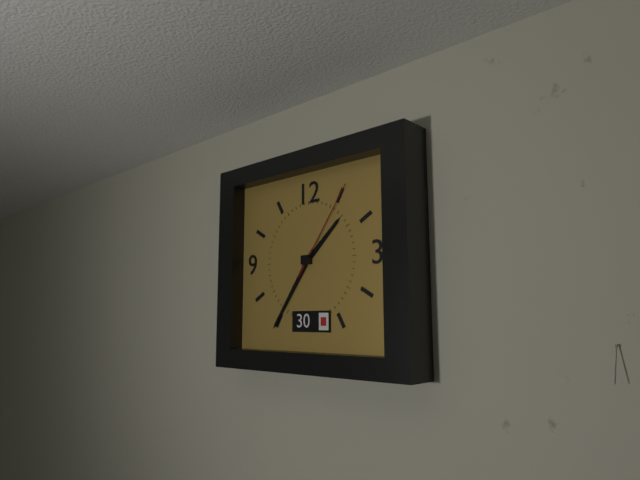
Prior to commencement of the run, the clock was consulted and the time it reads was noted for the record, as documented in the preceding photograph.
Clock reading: 1:36:06
